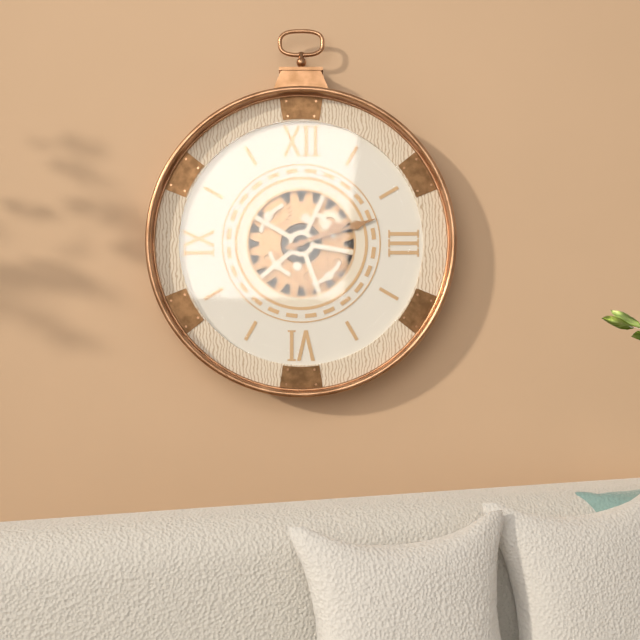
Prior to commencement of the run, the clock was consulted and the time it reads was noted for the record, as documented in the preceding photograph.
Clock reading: 2:12
